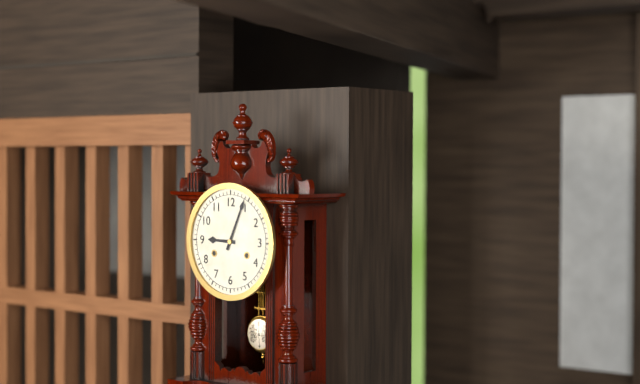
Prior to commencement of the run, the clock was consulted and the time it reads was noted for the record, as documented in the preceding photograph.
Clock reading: 9:04
